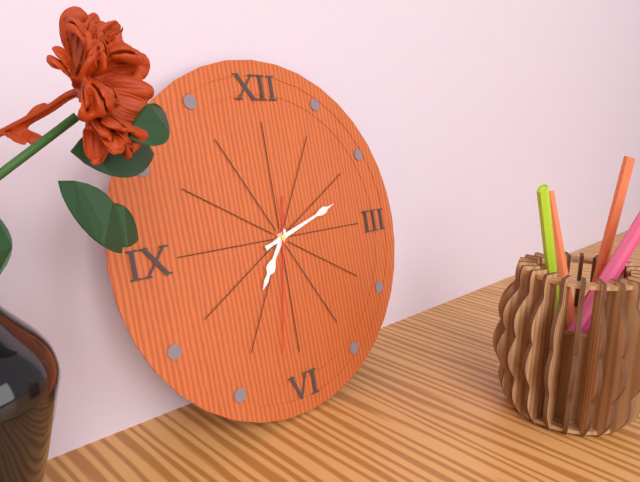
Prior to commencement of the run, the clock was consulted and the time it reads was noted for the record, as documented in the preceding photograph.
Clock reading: 7:12:32
